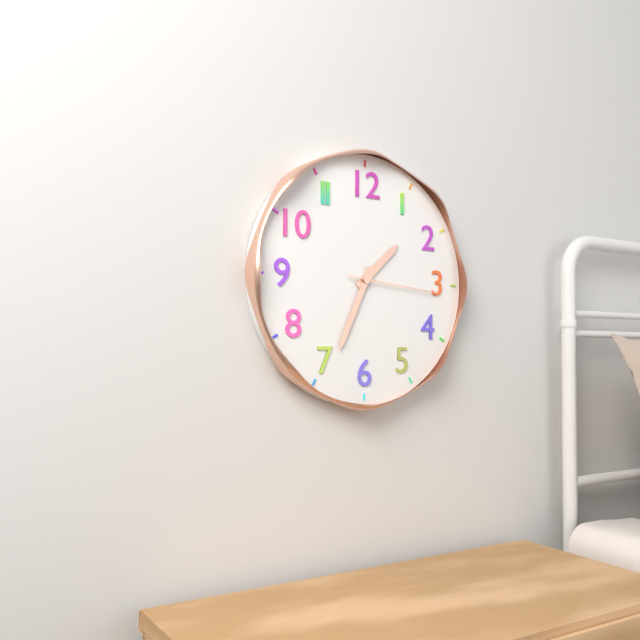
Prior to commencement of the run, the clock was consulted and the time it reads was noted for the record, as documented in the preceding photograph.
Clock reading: 1:34:16
